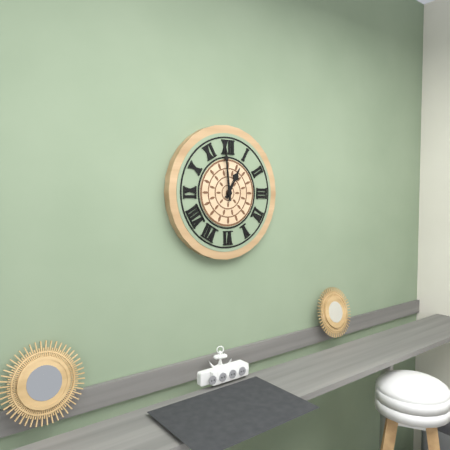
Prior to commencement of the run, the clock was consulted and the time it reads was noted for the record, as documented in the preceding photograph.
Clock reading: 12:59
